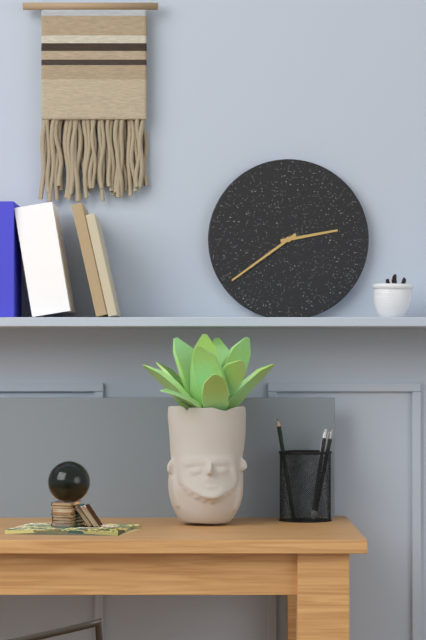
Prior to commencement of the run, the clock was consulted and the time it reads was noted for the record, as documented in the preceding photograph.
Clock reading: 2:39
